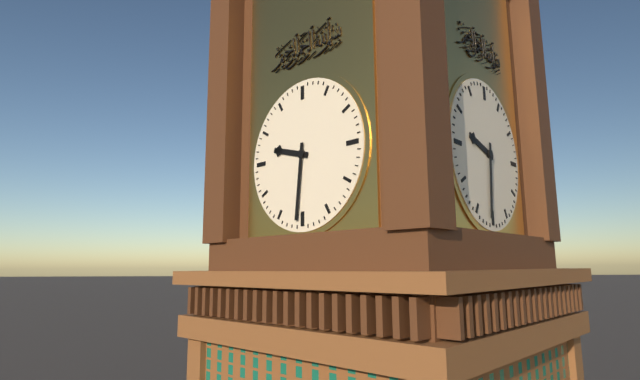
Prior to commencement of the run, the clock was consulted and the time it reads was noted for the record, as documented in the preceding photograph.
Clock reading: 9:31
